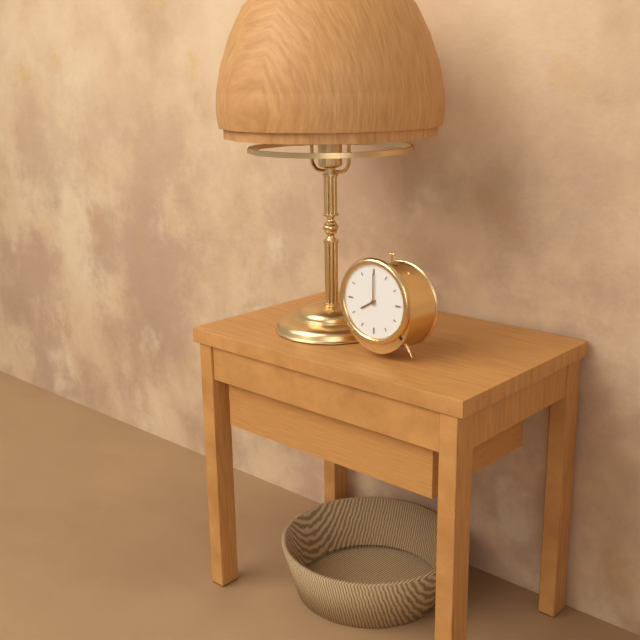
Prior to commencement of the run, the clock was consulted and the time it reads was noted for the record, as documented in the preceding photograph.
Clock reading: 8:00
